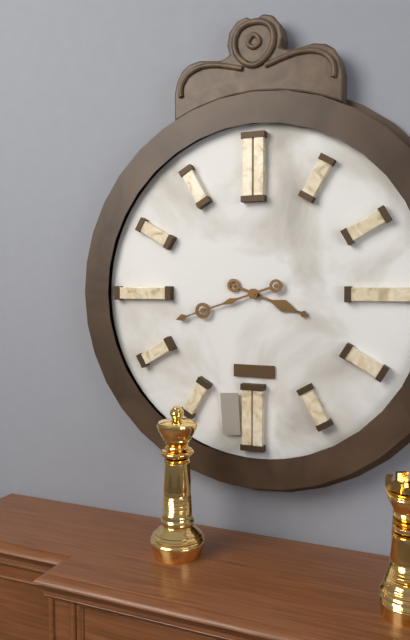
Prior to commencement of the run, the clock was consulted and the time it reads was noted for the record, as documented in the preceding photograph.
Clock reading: 3:42
